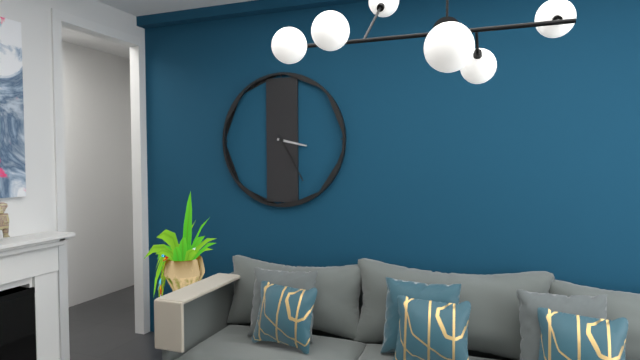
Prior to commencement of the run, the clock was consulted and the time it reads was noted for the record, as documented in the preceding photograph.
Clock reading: 3:25
